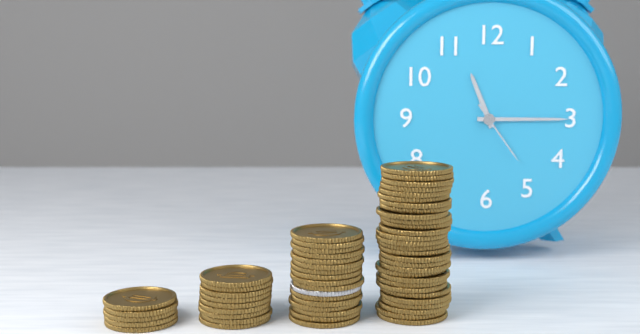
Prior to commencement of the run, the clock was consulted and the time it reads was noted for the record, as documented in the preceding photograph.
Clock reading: 11:15:24
